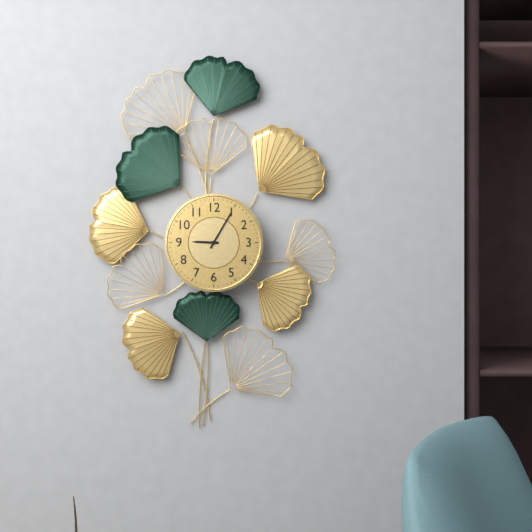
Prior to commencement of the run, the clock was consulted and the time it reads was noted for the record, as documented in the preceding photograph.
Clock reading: 9:05
